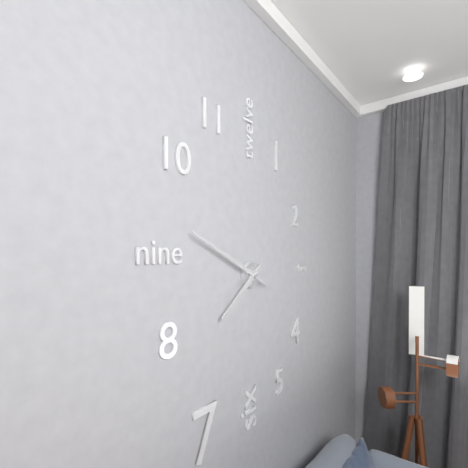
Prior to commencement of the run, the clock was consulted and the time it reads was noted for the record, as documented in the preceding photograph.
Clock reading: 7:49
